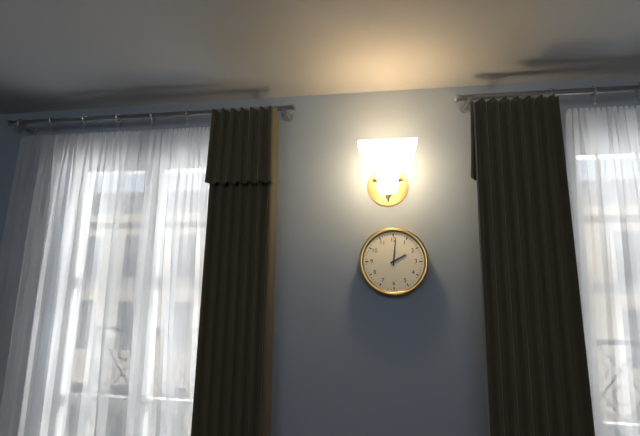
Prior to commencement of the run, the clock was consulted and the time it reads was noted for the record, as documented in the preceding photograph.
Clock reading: 2:01
